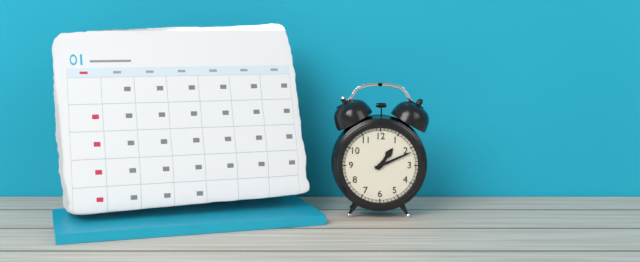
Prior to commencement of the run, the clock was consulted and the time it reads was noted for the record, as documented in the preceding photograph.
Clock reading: 1:11
